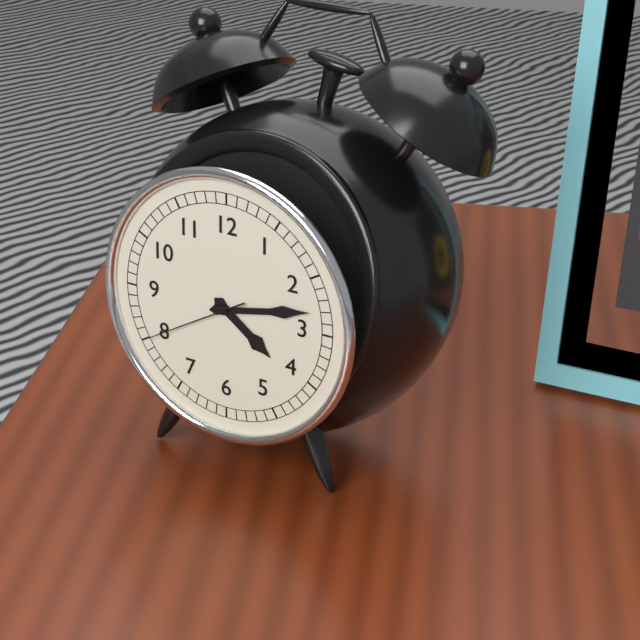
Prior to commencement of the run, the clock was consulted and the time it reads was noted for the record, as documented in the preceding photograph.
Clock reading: 4:13:40
